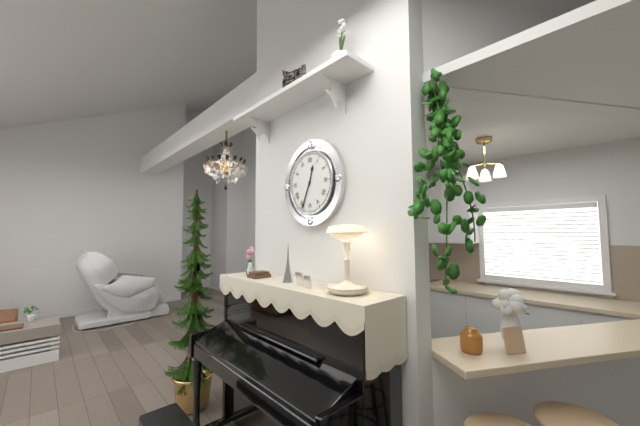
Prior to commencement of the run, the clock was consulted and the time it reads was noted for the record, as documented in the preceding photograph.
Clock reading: 12:34
